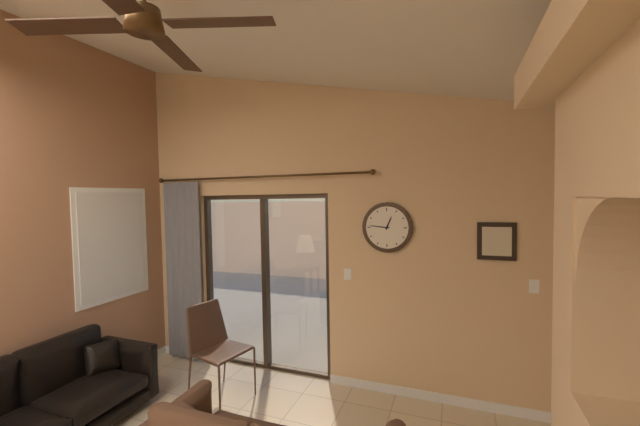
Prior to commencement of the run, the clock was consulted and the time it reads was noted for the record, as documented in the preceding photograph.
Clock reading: 12:46
